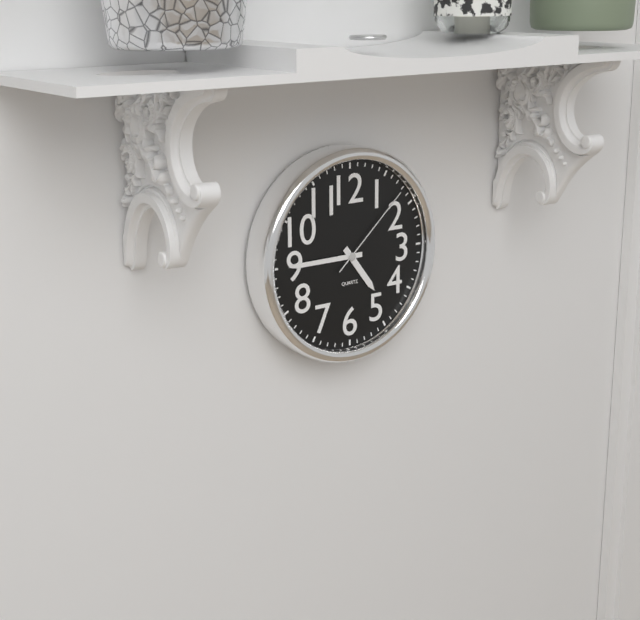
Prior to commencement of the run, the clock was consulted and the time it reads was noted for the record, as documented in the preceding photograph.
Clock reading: 4:45:08
